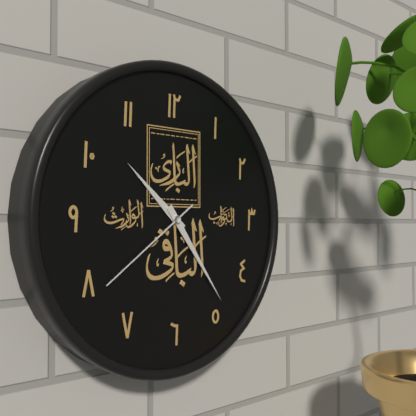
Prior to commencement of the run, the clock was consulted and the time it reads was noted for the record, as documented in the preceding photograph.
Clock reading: 10:24:39
